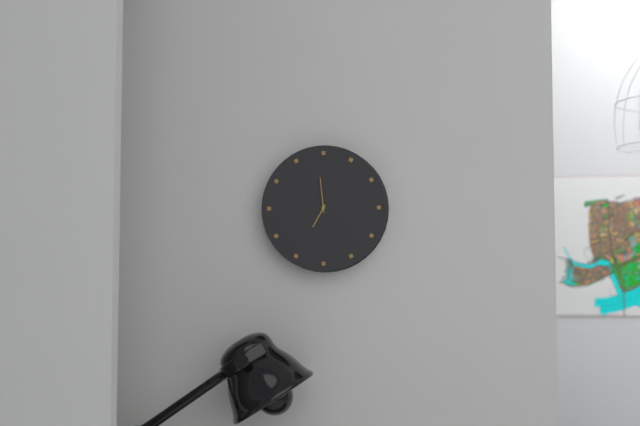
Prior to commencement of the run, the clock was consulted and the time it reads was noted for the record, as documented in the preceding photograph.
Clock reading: 6:59
